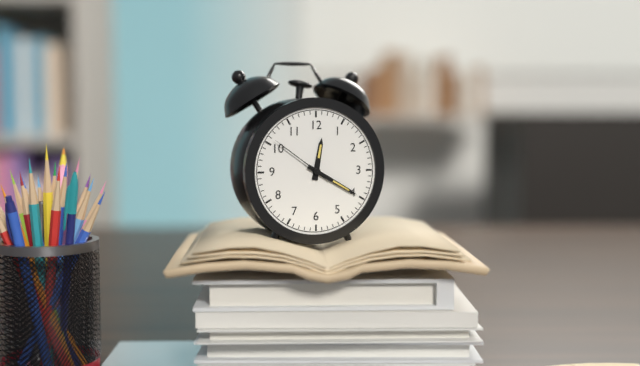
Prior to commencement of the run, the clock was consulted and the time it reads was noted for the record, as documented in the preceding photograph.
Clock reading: 12:20:51
